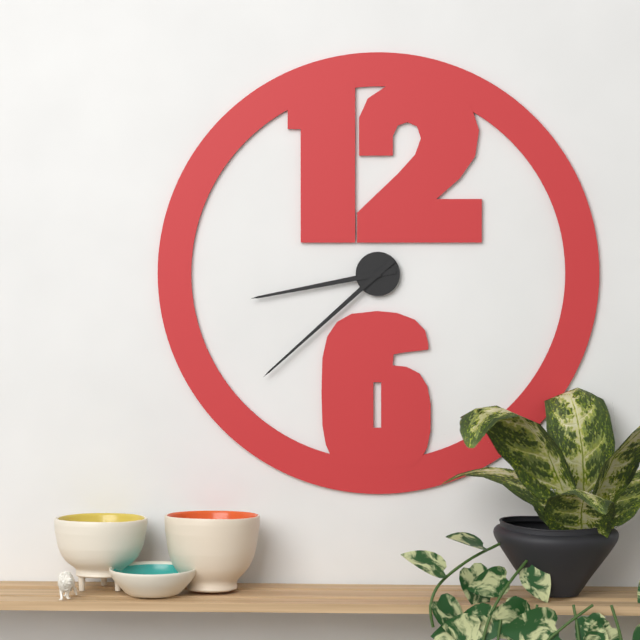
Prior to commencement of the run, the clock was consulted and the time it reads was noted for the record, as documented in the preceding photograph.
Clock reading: 8:38
